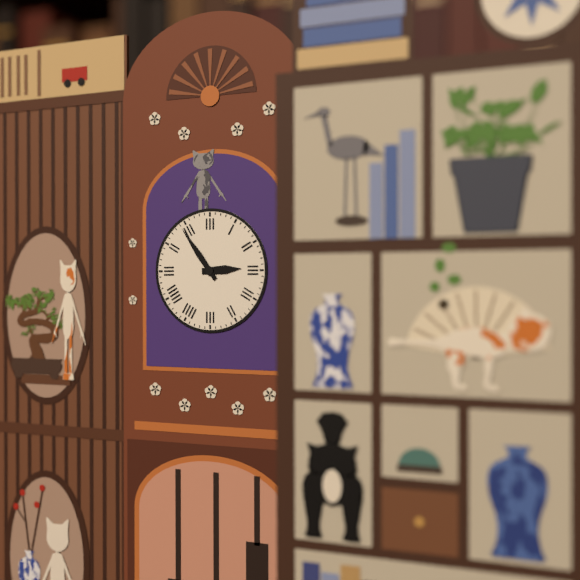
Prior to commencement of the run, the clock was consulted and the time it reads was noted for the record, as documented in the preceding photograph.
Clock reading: 2:54
